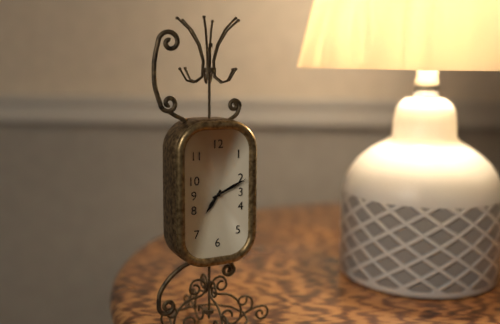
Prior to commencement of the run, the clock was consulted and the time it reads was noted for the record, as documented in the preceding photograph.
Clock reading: 7:11
